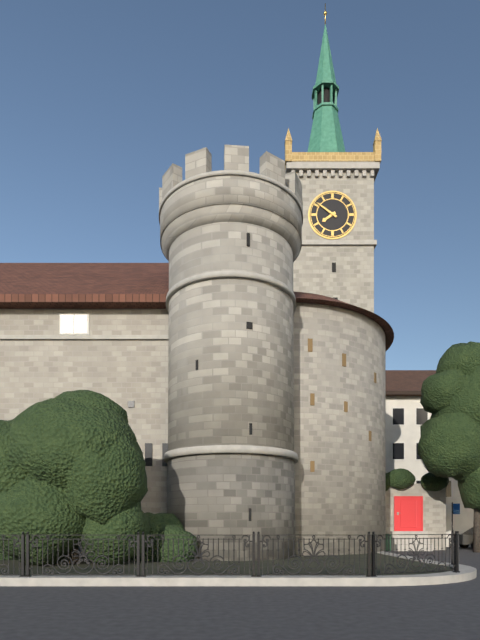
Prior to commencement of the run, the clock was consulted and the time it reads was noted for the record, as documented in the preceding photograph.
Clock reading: 7:51
